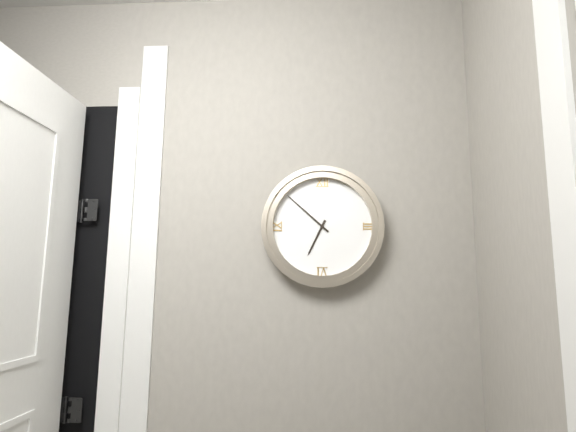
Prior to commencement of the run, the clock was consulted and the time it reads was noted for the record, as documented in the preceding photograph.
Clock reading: 6:52
